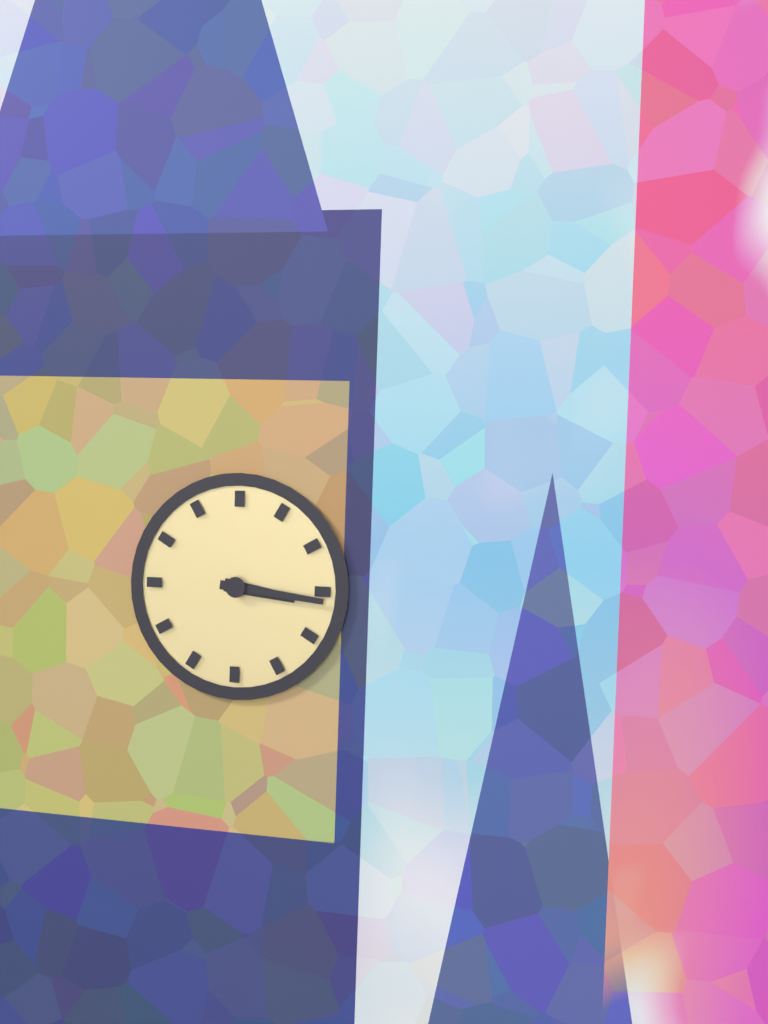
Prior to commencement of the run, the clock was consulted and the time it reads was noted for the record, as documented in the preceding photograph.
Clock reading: 3:16
